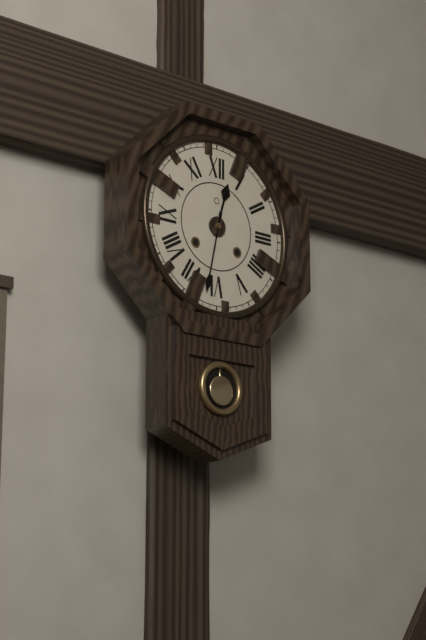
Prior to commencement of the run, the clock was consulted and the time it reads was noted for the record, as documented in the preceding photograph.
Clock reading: 12:32
